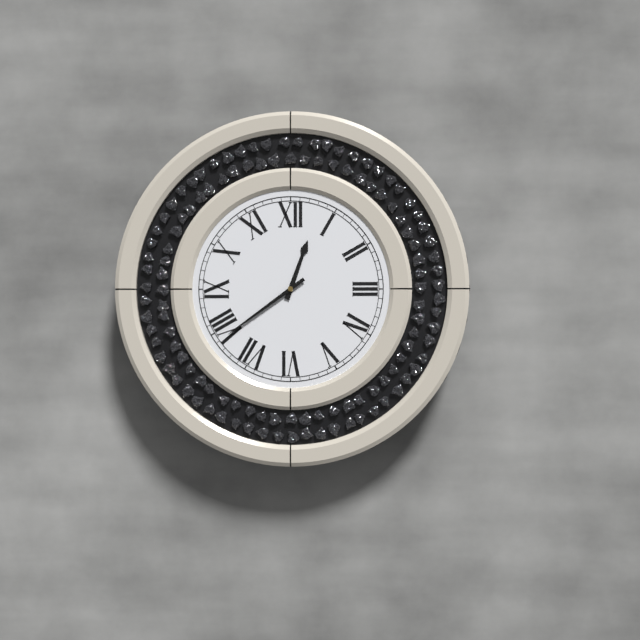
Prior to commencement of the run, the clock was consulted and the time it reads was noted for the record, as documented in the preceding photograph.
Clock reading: 12:39
